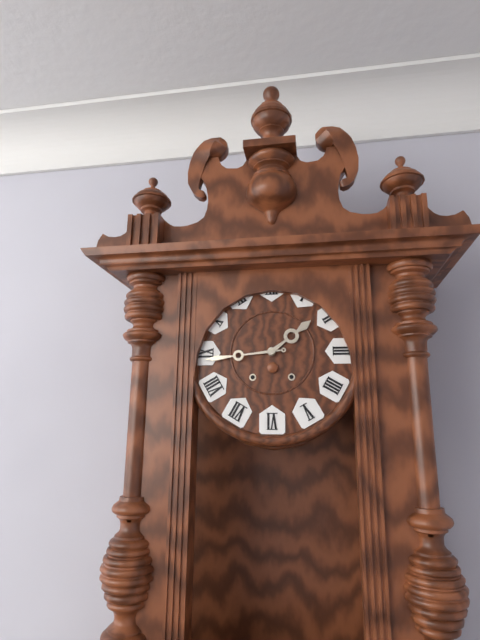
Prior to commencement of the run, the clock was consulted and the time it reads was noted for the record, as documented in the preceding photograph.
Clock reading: 1:44
